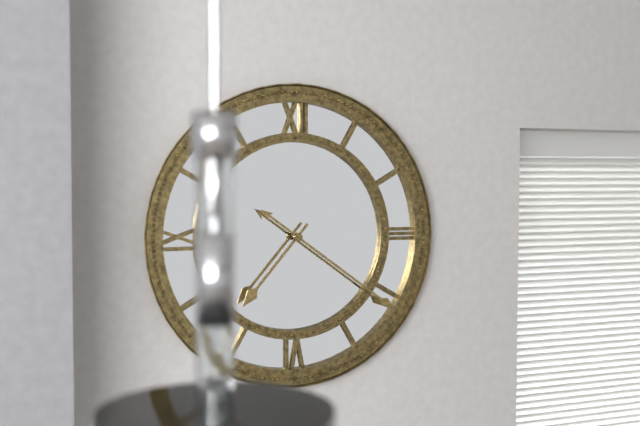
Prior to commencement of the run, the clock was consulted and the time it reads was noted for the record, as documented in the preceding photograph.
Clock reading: 7:21
